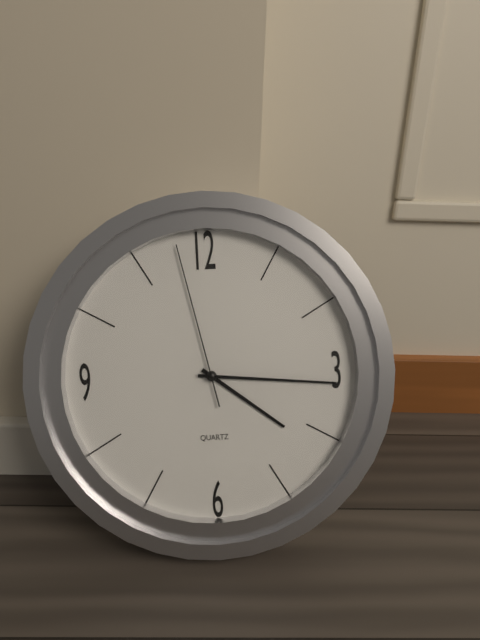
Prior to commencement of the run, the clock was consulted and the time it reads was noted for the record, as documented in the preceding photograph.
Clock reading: 4:16:58
